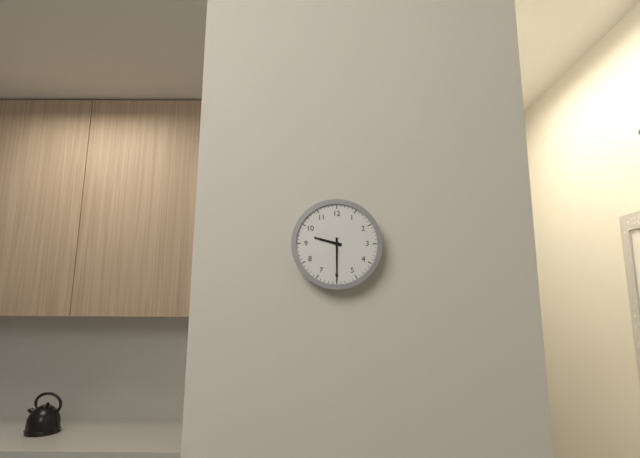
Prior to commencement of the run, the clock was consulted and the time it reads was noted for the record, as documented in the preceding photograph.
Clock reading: 9:30
